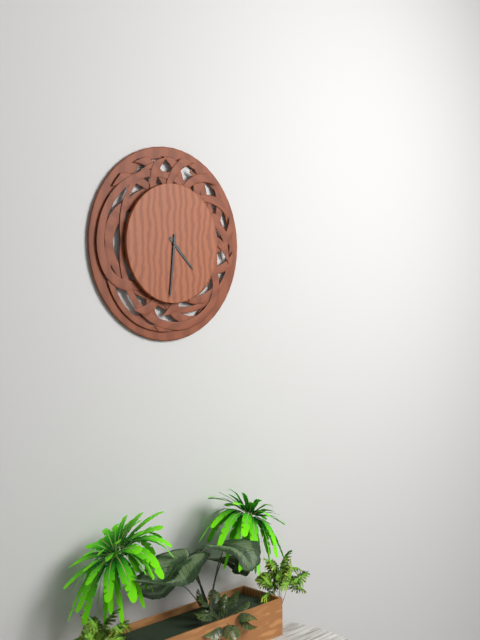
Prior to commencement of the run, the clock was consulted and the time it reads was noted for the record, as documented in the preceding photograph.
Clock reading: 4:31
